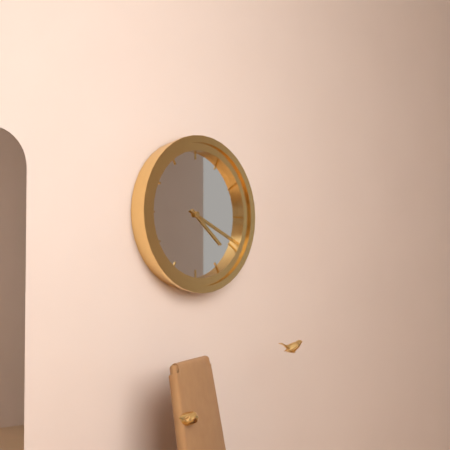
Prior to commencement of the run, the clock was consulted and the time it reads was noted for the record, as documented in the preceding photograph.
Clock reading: 4:19
